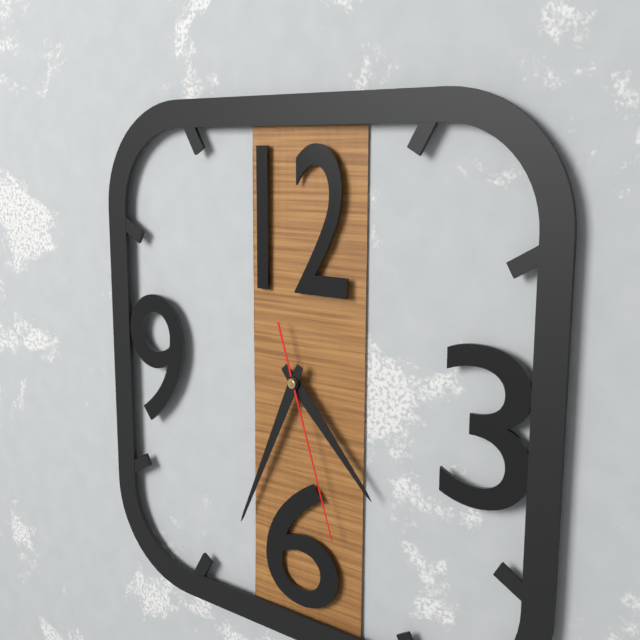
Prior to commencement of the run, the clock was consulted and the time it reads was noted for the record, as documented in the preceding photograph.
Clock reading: 4:34:27
